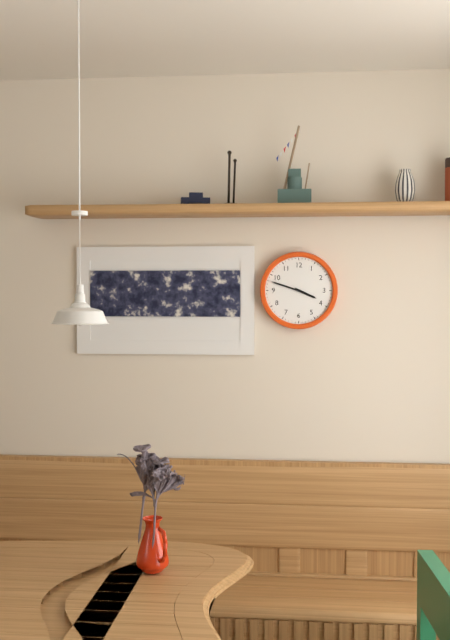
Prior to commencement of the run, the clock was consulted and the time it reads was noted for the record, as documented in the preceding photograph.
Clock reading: 3:48
